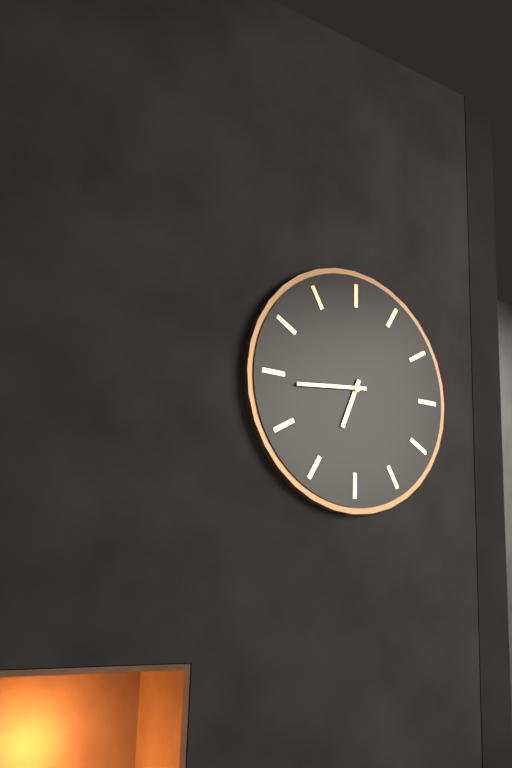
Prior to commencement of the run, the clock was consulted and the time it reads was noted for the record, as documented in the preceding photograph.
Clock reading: 6:44
